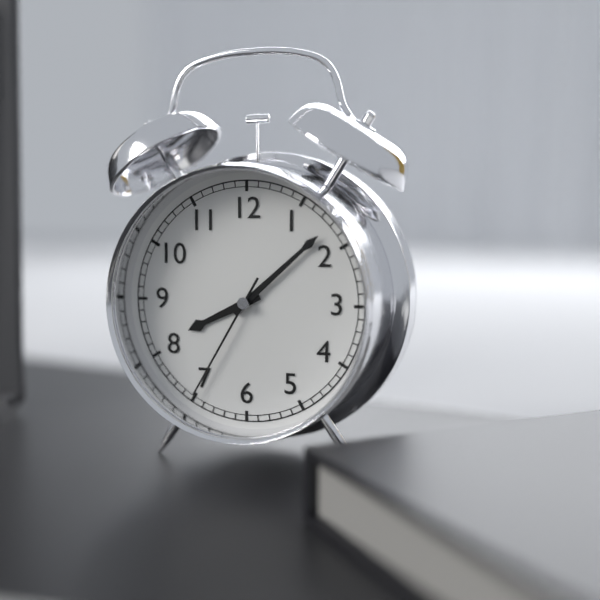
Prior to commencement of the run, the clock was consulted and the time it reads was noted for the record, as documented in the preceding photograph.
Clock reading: 8:08:35
